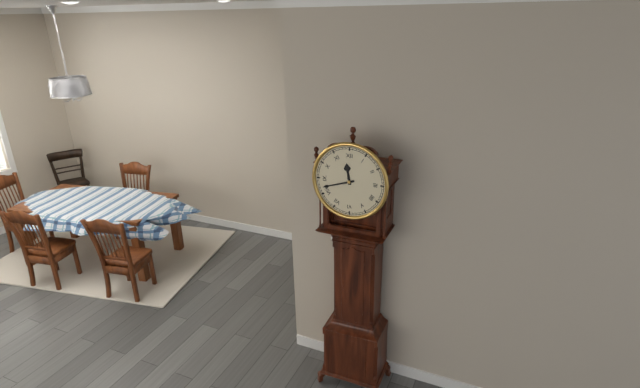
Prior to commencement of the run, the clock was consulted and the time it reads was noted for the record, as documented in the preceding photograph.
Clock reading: 11:42
